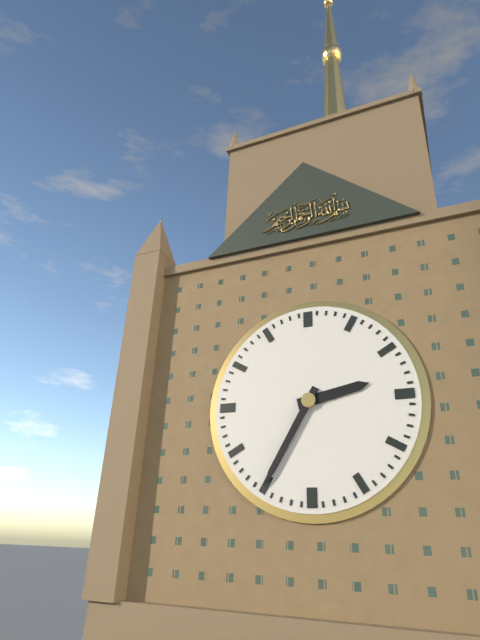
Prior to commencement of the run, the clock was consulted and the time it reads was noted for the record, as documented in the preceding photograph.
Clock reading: 2:35
